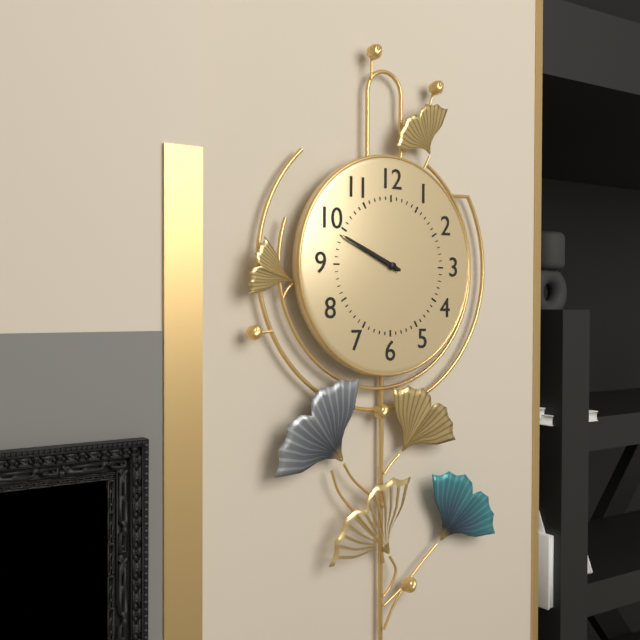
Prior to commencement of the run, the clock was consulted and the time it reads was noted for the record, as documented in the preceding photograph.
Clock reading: 9:49
